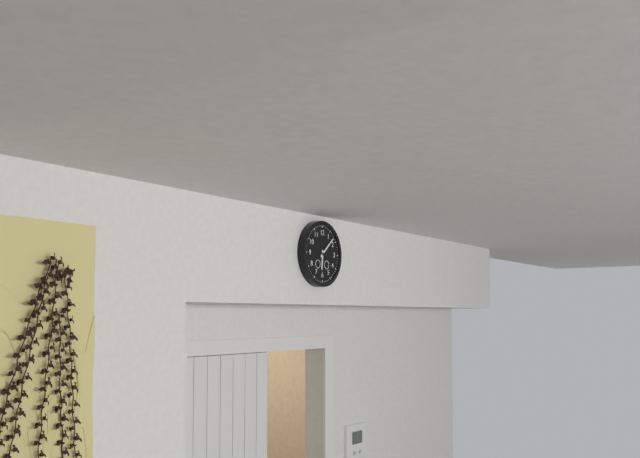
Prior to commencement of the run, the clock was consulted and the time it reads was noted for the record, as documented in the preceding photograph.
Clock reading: 6:08
